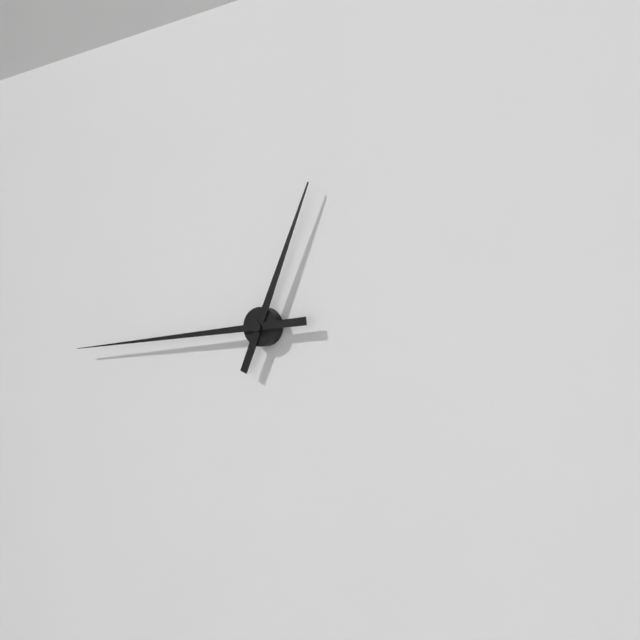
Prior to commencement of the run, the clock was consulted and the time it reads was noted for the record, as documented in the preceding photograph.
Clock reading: 12:44
